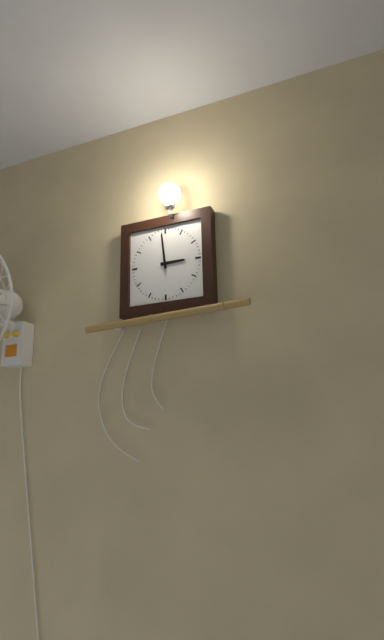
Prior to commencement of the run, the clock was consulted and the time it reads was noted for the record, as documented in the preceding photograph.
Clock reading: 2:59
